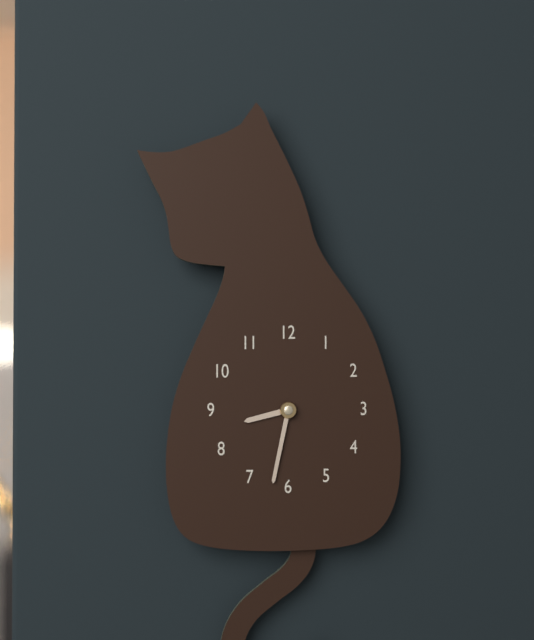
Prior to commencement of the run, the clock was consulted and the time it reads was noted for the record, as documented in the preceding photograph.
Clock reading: 8:32
